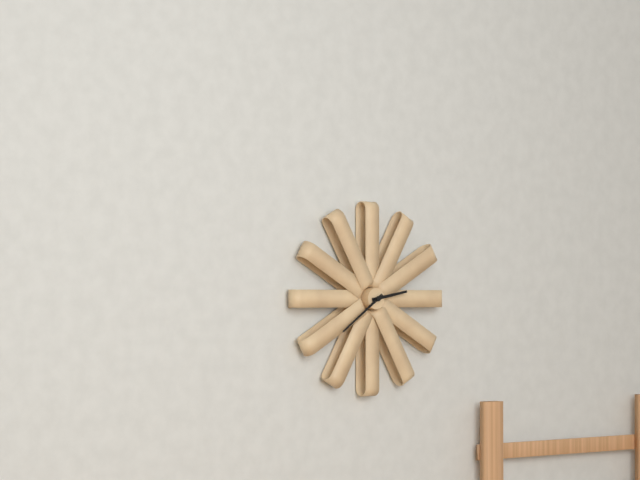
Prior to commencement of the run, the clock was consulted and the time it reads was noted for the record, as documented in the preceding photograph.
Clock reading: 2:39
